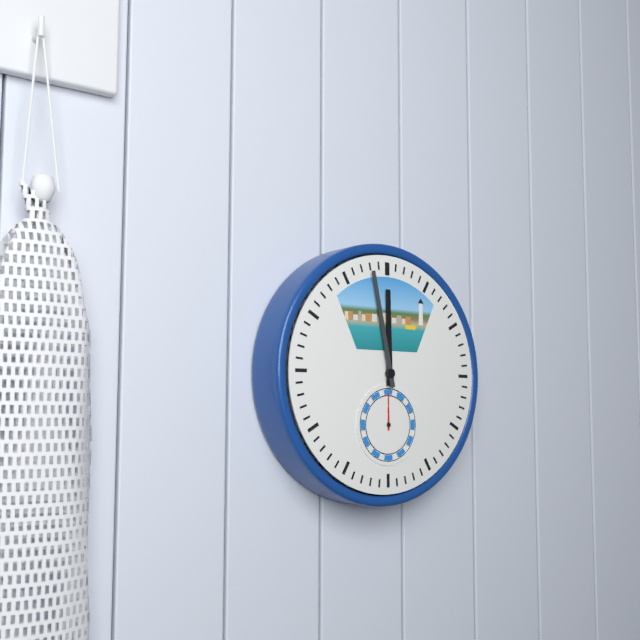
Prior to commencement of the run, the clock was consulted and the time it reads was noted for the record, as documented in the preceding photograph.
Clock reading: 11:58
